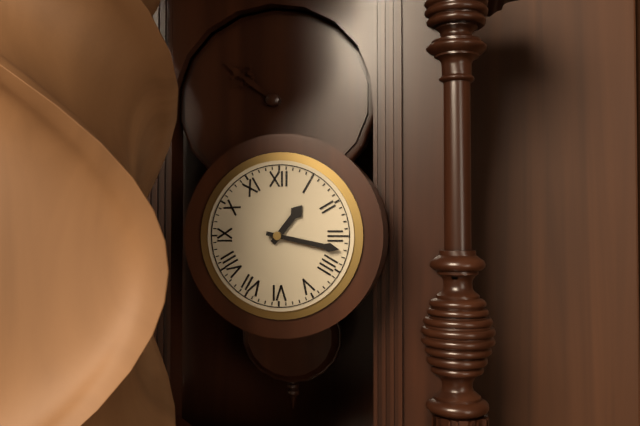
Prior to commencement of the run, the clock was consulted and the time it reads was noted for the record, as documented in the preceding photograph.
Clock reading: 1:17
